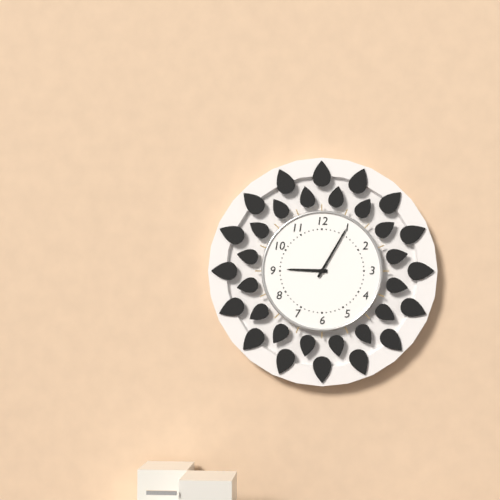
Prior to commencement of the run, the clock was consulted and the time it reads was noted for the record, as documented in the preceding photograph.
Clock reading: 9:05
